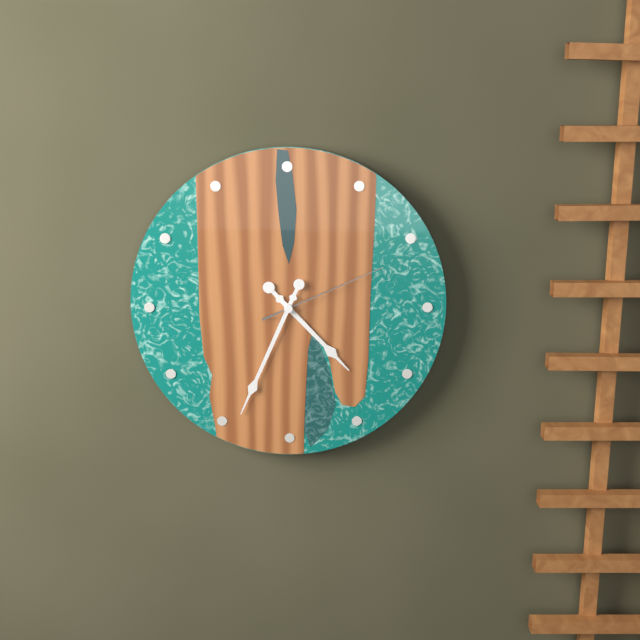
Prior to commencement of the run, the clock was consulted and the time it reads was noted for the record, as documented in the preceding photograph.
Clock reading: 4:34:11
